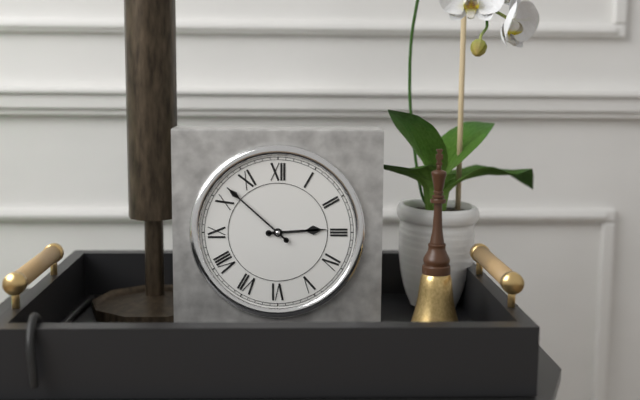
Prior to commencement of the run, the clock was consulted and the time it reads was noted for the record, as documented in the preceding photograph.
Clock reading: 2:52
